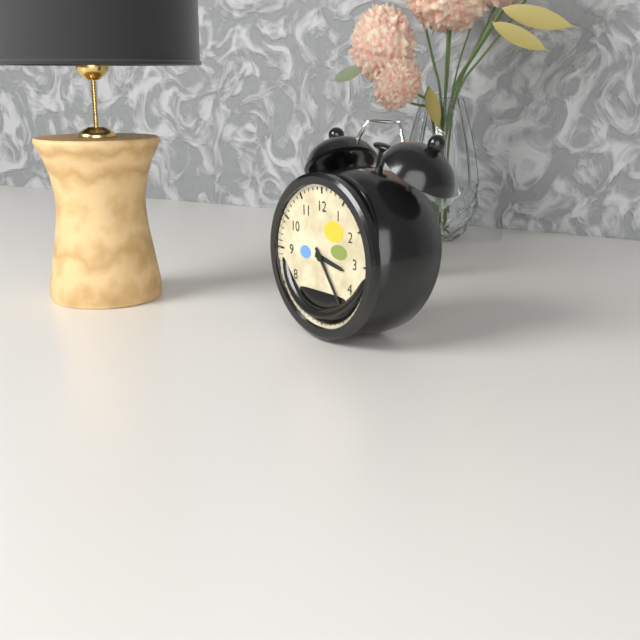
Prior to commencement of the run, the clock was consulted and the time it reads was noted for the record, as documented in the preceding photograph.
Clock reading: 3:24
